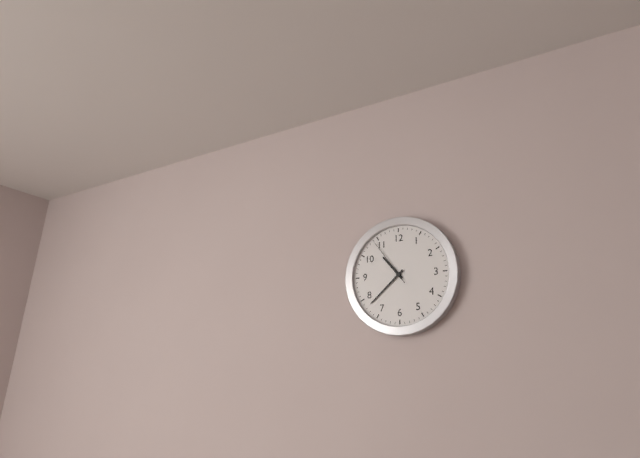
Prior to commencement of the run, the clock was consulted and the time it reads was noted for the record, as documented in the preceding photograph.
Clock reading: 10:38:54
